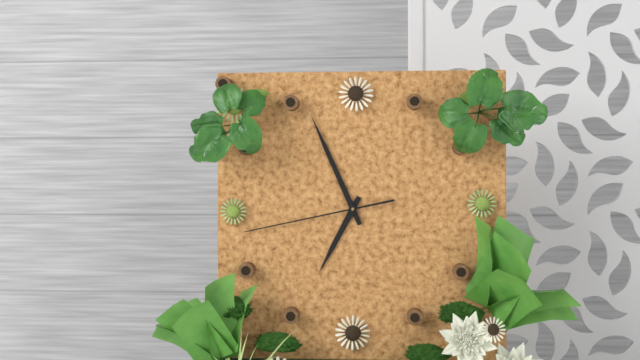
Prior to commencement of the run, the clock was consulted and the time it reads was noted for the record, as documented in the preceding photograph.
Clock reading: 6:56:43
